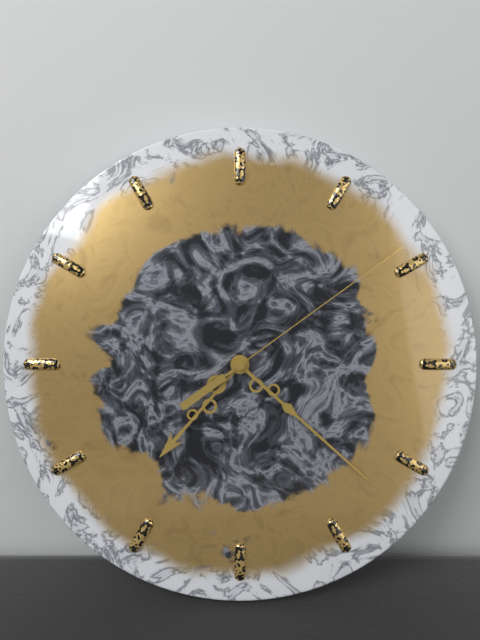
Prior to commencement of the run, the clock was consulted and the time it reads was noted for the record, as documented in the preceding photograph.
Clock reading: 7:22:09
